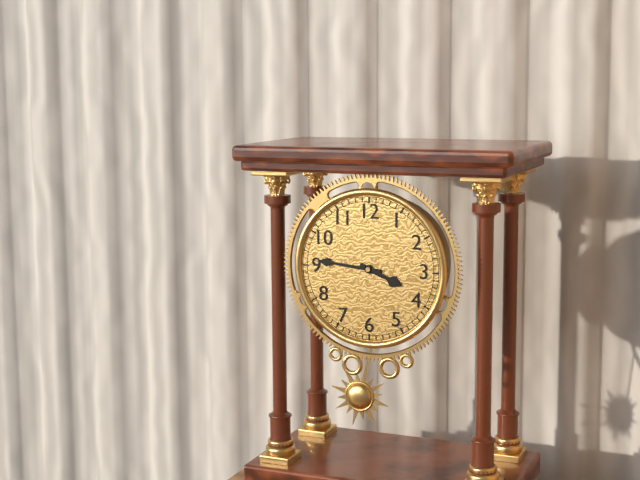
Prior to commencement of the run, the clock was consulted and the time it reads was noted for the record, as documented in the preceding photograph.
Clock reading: 3:46
